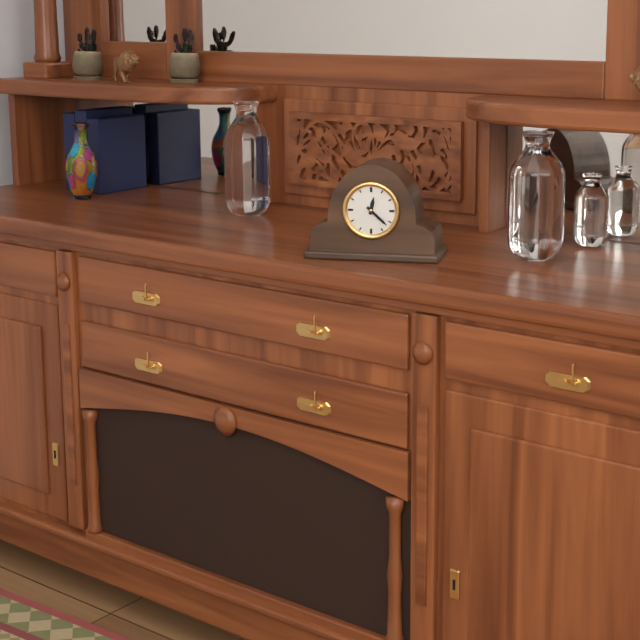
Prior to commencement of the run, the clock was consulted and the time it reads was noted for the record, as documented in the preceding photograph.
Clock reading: 12:22
